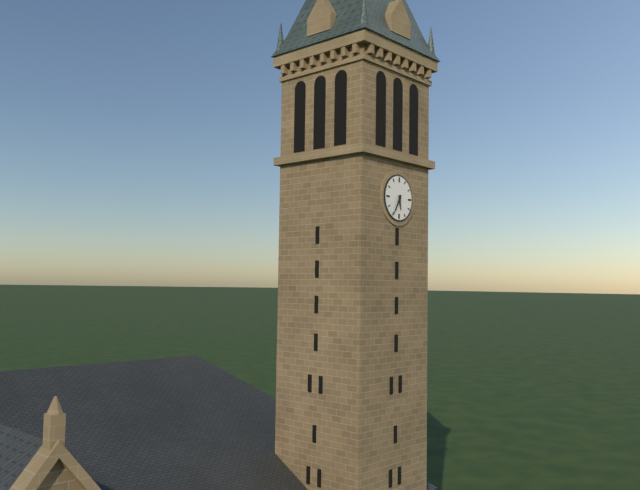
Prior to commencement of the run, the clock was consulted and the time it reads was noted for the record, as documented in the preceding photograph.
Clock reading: 5:35
